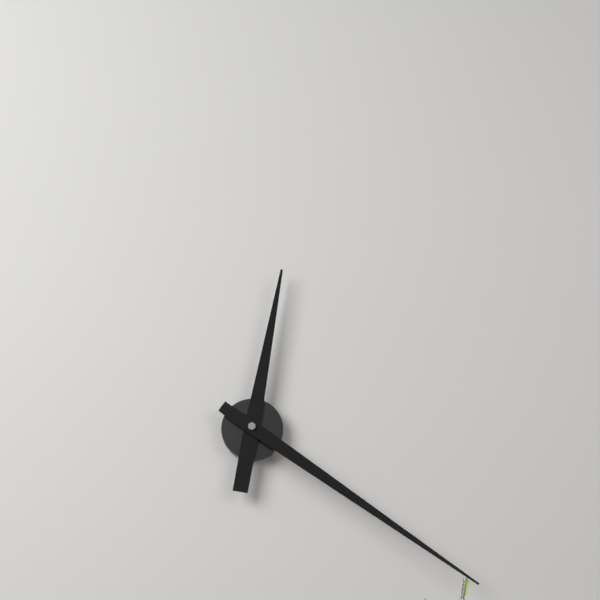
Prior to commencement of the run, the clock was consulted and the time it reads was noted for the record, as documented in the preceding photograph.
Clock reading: 12:21
